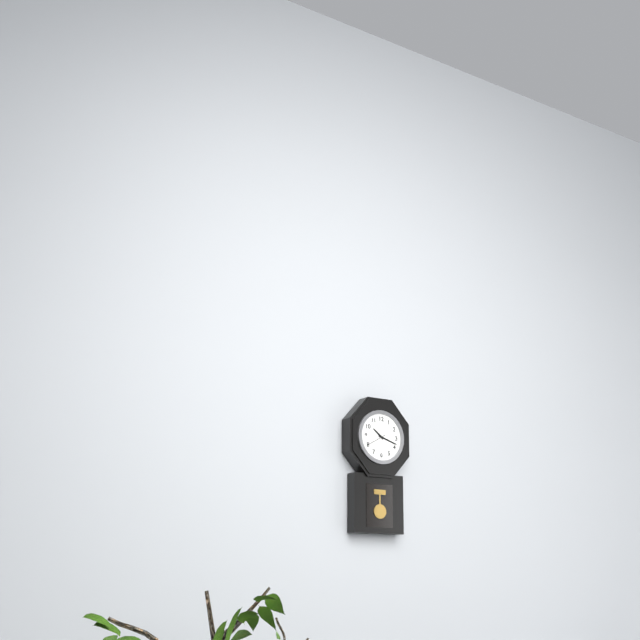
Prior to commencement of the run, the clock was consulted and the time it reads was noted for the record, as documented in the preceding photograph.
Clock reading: 10:18
